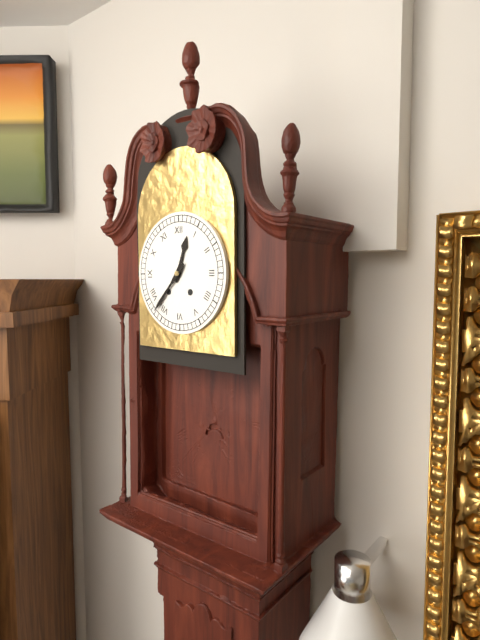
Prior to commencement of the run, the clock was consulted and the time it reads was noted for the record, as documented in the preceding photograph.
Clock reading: 12:37
